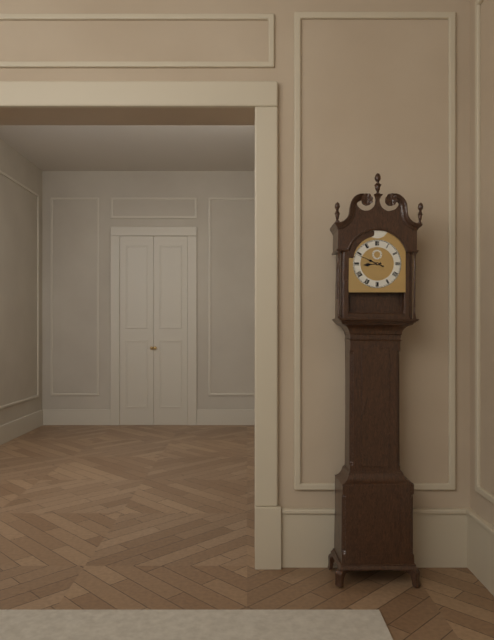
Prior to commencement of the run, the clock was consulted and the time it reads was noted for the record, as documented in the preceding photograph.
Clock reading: 8:49
